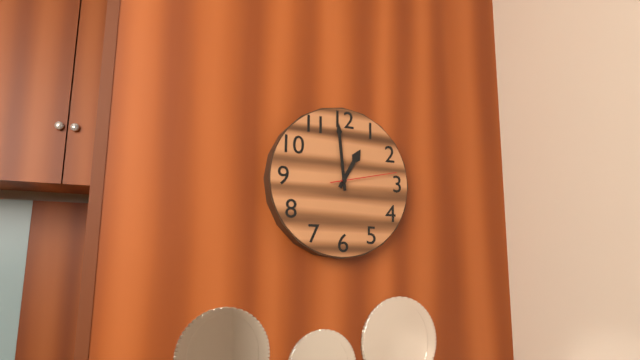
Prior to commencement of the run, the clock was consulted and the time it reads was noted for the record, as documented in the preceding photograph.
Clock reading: 12:59:13
